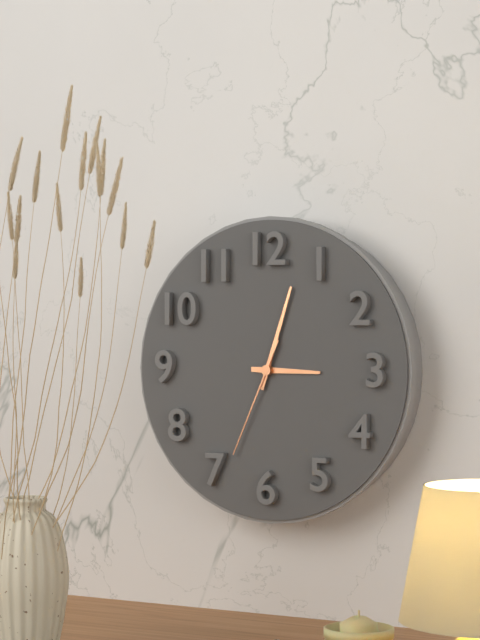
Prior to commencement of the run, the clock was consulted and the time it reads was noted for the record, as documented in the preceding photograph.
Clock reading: 3:03:34
